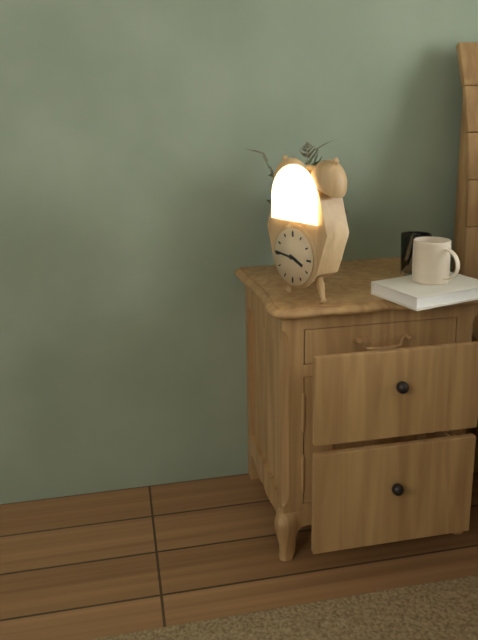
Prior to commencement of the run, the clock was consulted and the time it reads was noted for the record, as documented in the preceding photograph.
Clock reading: 3:46
